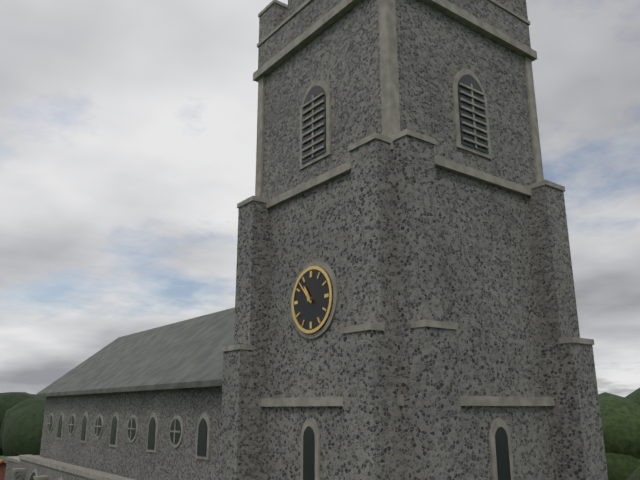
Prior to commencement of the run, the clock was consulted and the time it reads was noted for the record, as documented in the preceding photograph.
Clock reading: 10:53
